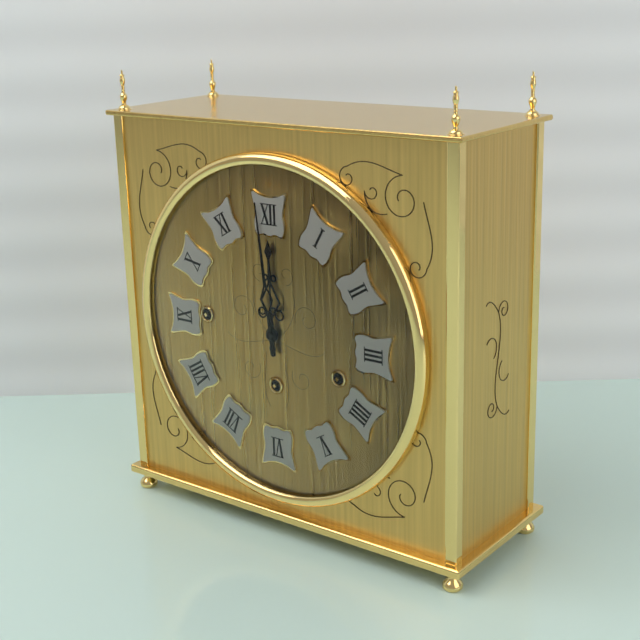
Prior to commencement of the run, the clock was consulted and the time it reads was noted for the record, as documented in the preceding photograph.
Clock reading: 11:59
